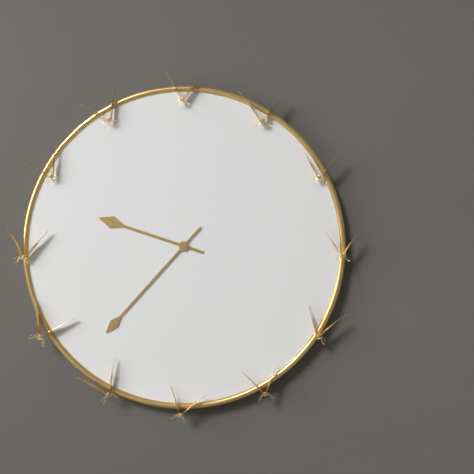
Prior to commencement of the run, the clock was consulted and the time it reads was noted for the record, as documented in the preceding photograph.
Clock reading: 9:37
